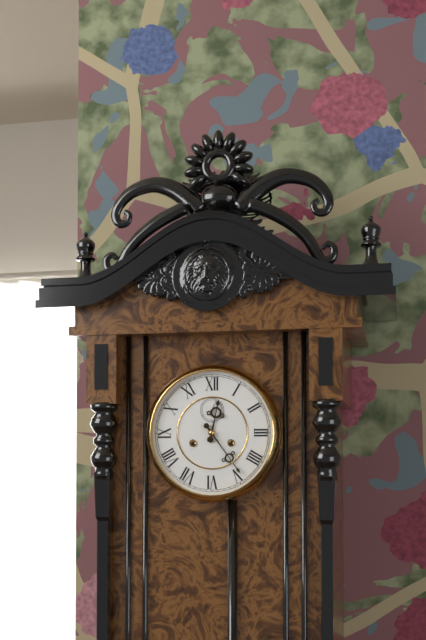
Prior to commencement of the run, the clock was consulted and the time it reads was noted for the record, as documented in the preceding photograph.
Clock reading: 12:24
